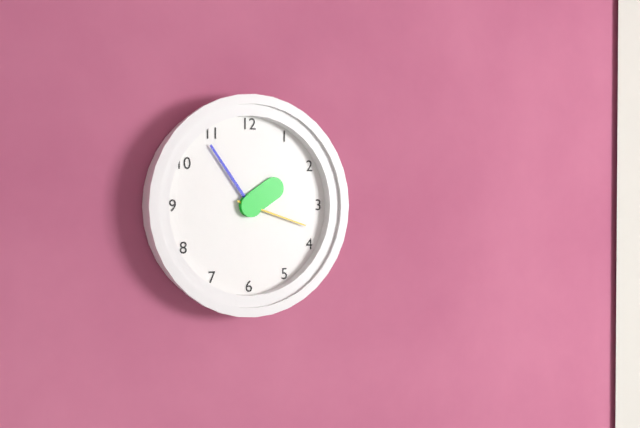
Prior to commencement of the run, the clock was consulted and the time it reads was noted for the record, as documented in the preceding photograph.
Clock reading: 1:54:18
